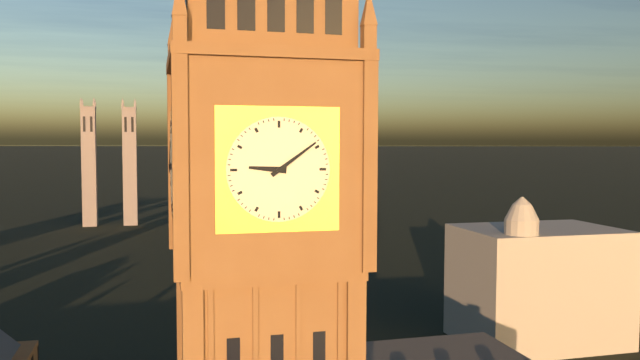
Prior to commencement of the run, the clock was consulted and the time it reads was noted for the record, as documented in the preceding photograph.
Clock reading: 9:09
